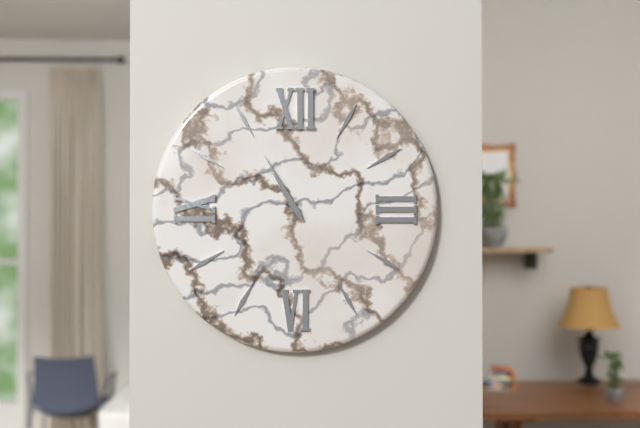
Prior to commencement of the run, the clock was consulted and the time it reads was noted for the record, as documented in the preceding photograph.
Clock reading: 10:55
